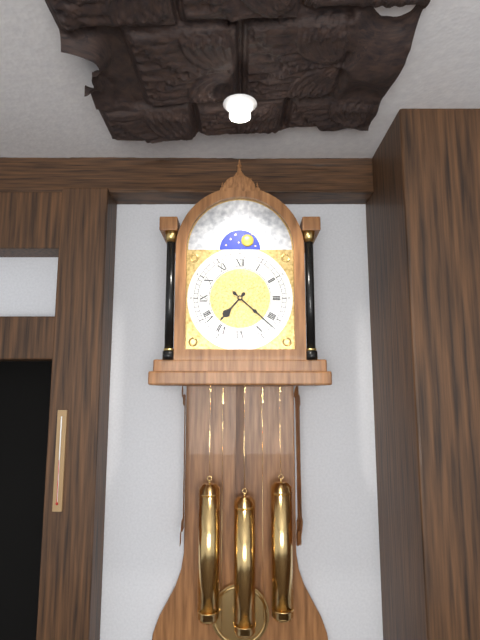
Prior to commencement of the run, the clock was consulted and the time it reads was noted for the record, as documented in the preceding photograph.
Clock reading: 7:22
